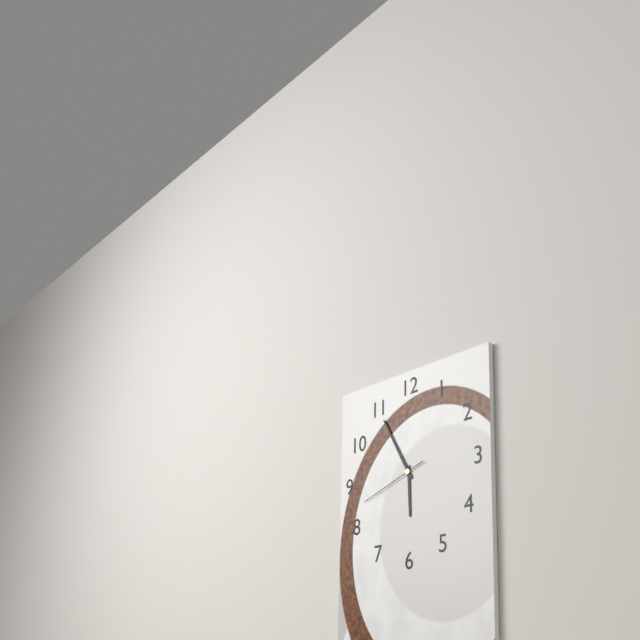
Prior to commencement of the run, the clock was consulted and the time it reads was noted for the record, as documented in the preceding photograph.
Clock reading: 5:55:42
